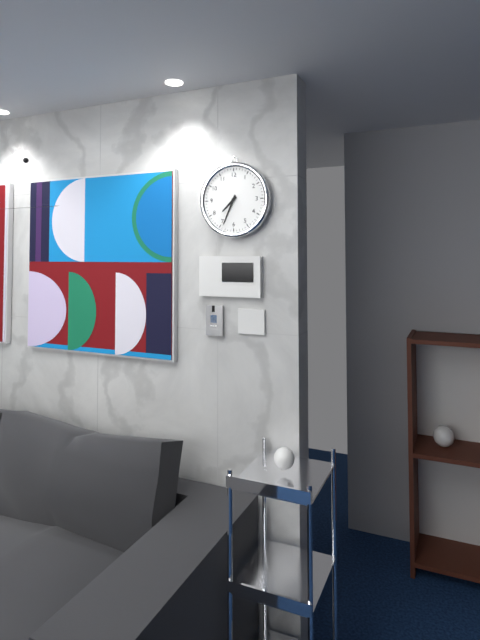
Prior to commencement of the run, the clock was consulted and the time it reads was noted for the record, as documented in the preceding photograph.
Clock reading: 7:34
